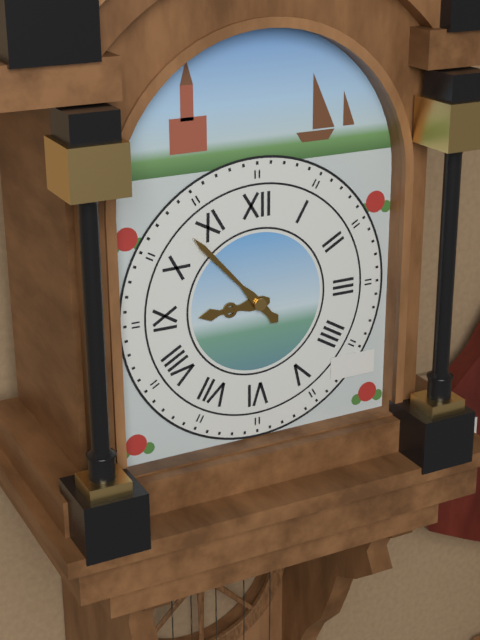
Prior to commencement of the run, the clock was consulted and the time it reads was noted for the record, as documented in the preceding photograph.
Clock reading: 8:53
